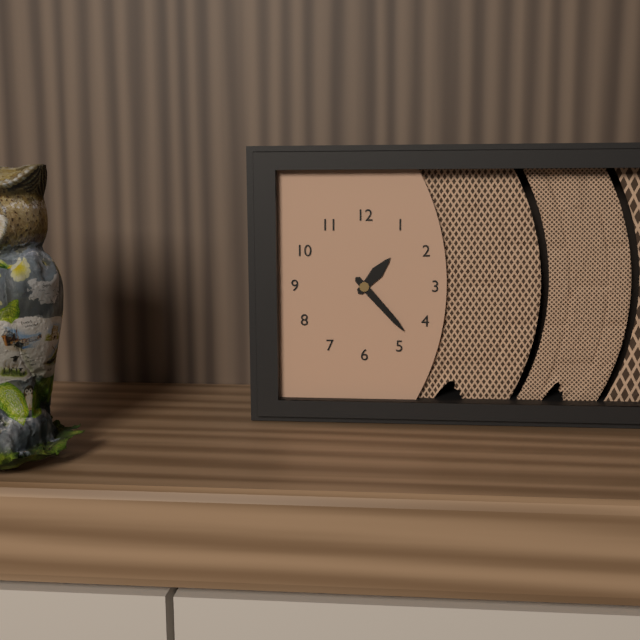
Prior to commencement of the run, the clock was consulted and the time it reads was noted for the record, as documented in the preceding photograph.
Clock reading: 1:23
